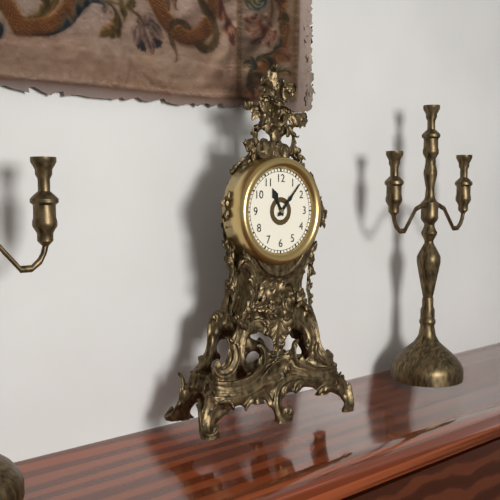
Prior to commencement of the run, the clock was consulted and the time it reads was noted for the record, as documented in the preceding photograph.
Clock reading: 11:07
